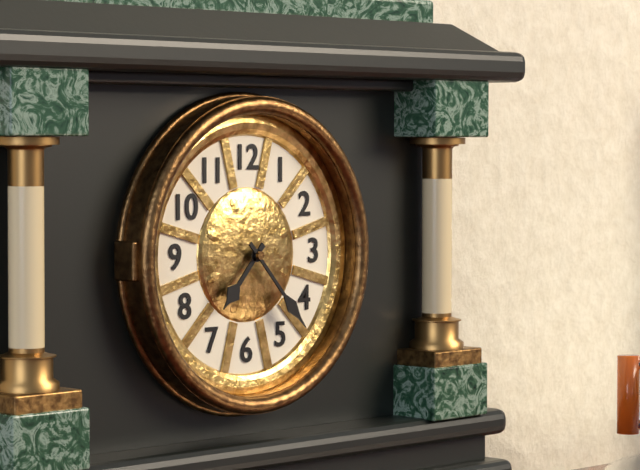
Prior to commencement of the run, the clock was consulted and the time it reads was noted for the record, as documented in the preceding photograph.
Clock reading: 7:23
